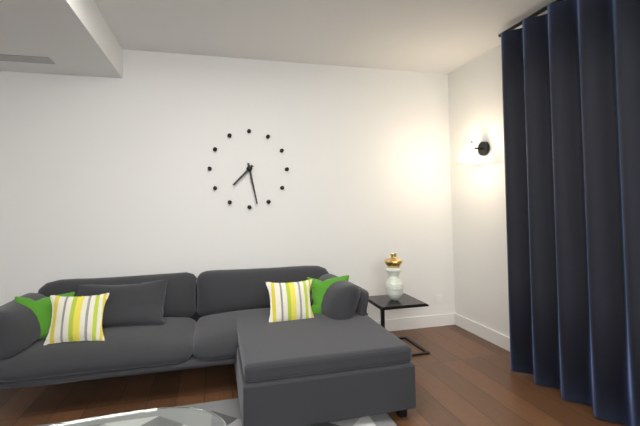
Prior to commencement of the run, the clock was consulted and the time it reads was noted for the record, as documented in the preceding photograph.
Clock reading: 7:28
